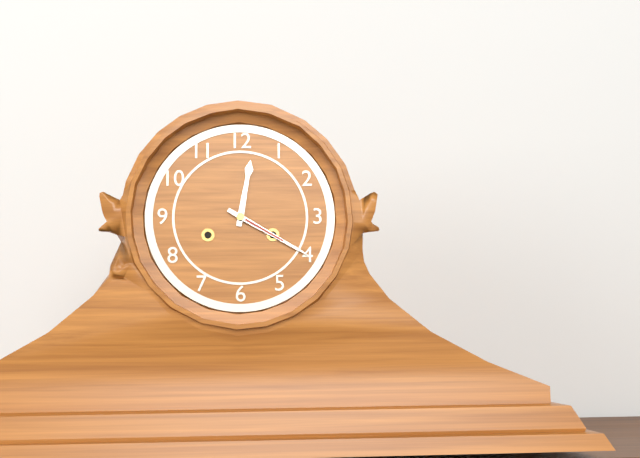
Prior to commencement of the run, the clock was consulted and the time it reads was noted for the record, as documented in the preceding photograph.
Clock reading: 12:20
